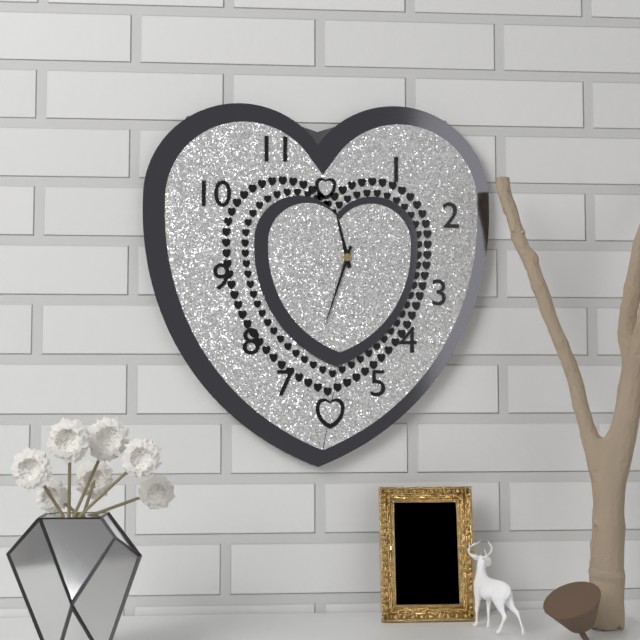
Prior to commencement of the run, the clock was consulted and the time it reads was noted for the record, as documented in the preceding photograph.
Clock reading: 11:33
